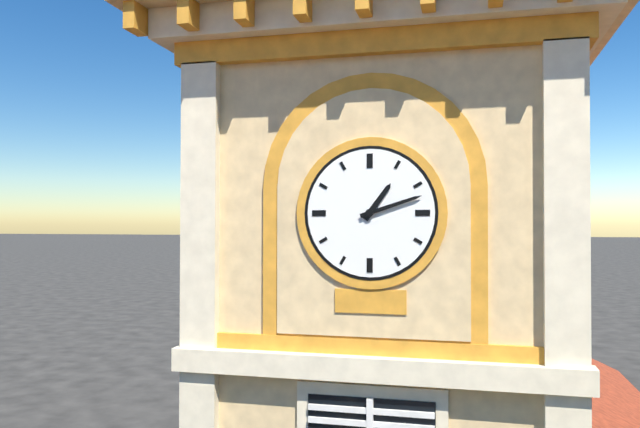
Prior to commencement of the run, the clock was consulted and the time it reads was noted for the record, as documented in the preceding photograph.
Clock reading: 1:12
